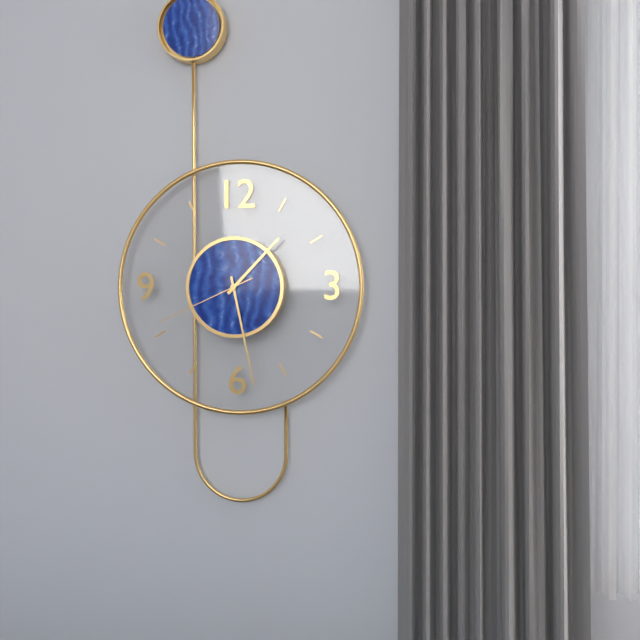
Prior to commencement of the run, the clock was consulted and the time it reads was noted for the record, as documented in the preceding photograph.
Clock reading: 1:28:41
